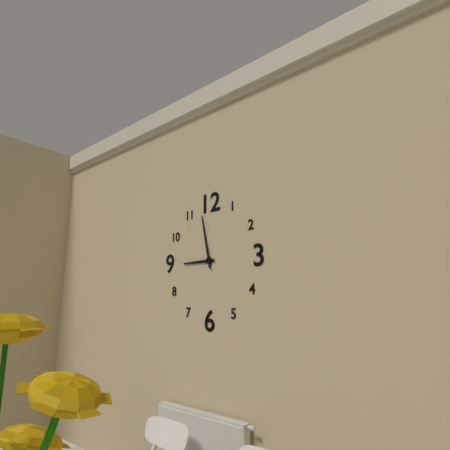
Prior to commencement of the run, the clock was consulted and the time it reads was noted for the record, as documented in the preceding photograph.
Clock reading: 8:58
